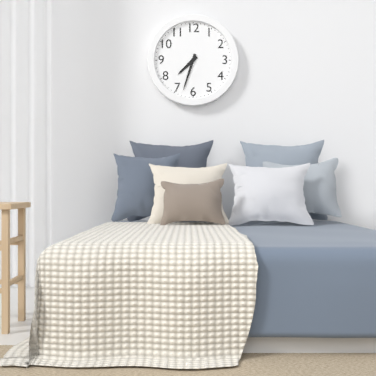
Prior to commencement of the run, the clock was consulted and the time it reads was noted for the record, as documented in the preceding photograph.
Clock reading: 7:33
